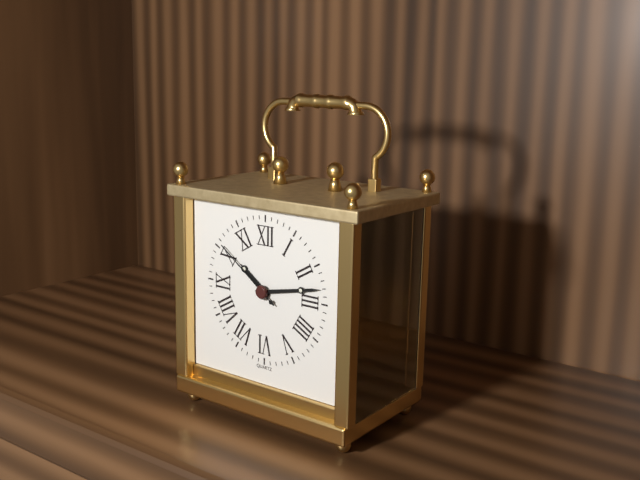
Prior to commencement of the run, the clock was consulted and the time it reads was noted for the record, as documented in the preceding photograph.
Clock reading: 10:13:51
